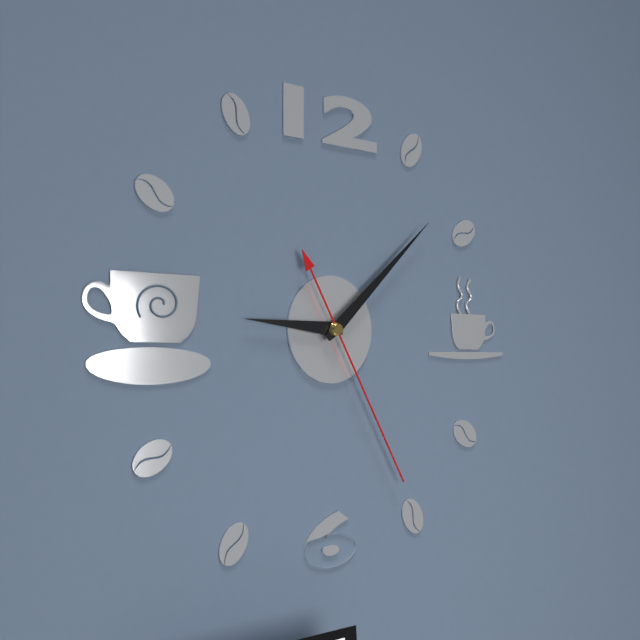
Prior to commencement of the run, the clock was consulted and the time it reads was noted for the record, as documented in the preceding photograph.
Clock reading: 9:08:25
